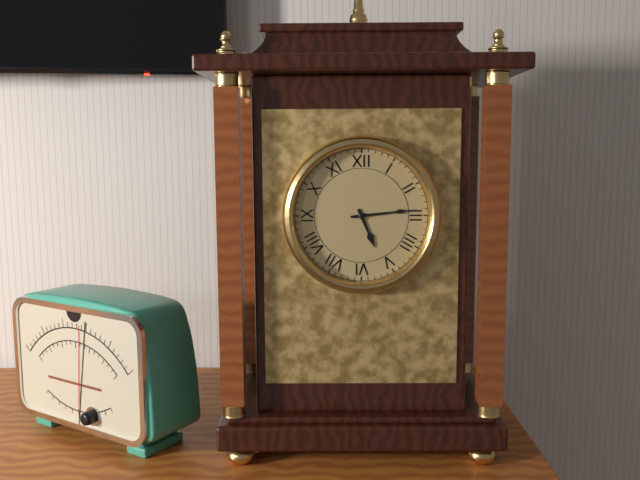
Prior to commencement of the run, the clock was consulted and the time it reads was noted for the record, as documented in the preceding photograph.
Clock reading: 5:14
